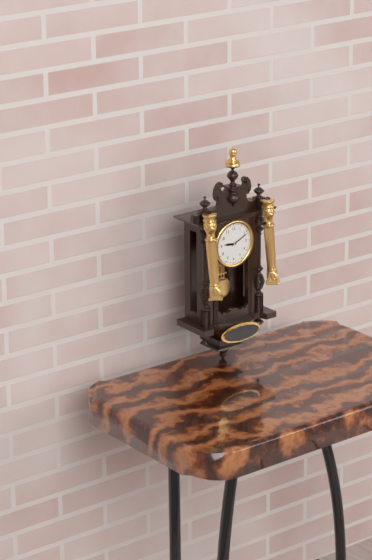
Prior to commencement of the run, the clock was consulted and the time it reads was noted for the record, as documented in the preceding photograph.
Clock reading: 9:11
